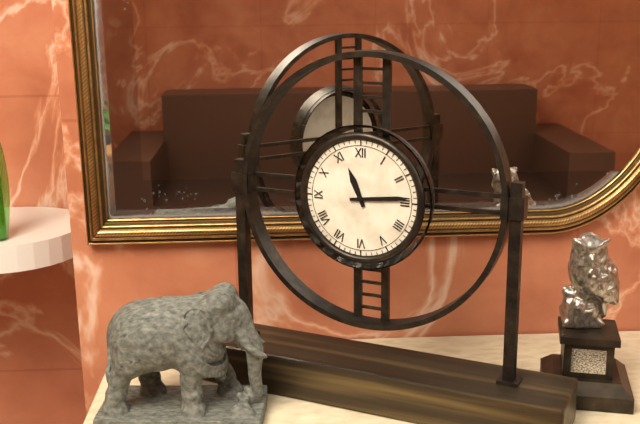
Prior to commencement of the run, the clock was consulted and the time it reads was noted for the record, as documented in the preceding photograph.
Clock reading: 11:14
